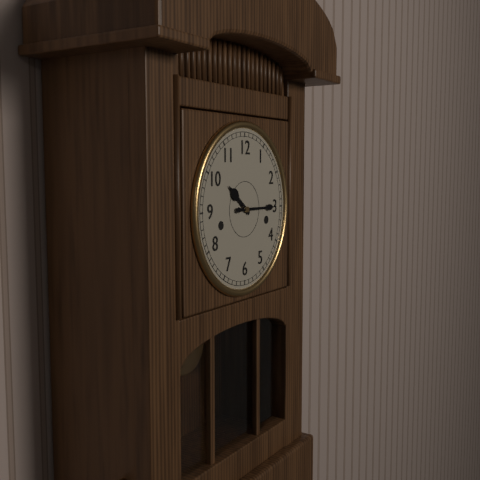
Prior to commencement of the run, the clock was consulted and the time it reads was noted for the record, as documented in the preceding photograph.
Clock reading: 10:15
